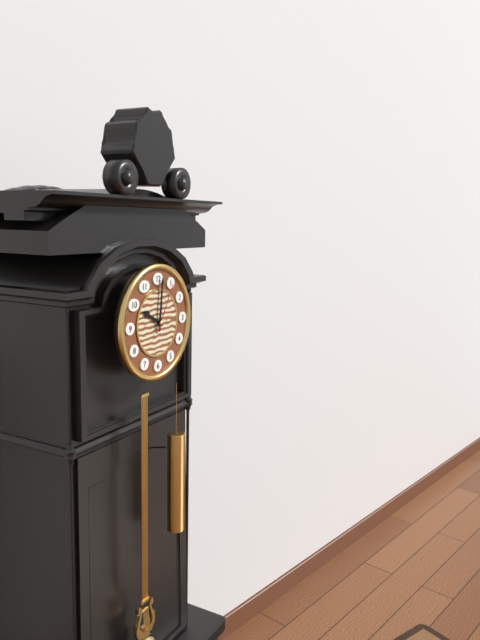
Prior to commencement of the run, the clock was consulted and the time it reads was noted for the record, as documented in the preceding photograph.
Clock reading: 10:01:05
